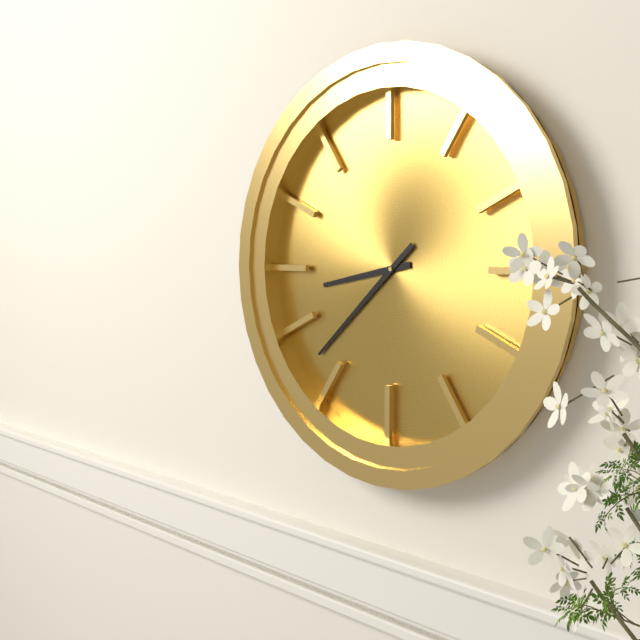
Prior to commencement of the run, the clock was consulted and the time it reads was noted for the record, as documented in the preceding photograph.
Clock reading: 8:38
